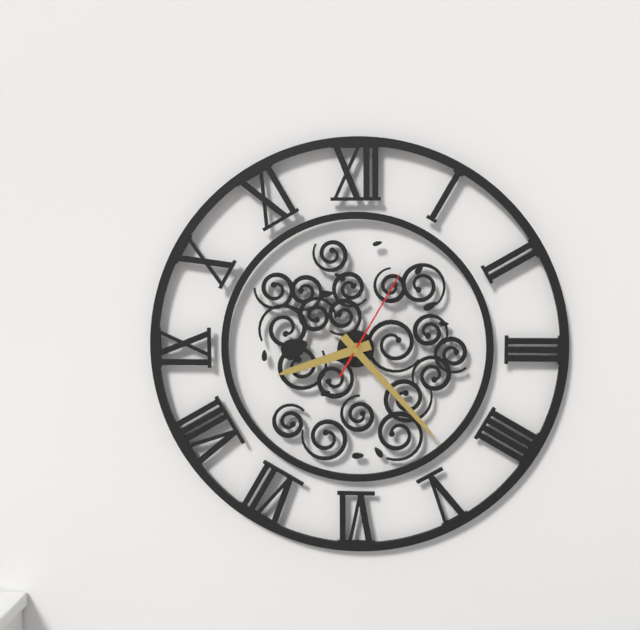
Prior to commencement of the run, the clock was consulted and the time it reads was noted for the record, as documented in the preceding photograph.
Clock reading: 8:23:05
